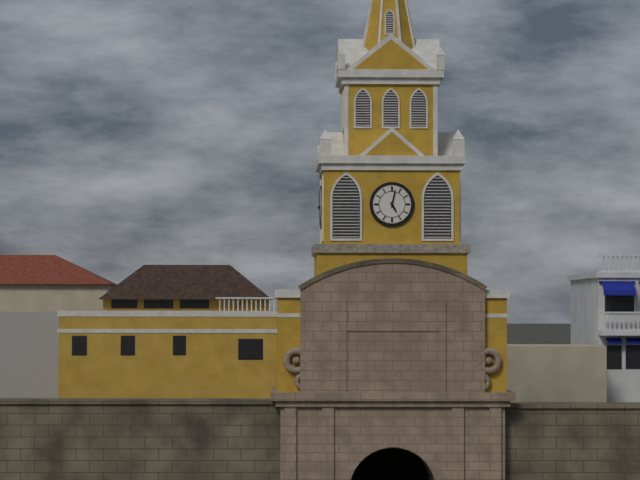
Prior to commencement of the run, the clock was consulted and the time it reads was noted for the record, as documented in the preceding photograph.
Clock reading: 5:02
